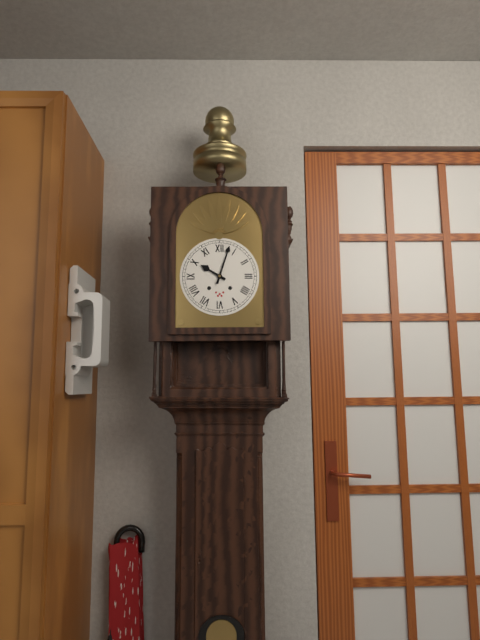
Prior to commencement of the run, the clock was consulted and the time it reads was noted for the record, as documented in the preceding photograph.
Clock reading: 10:03
